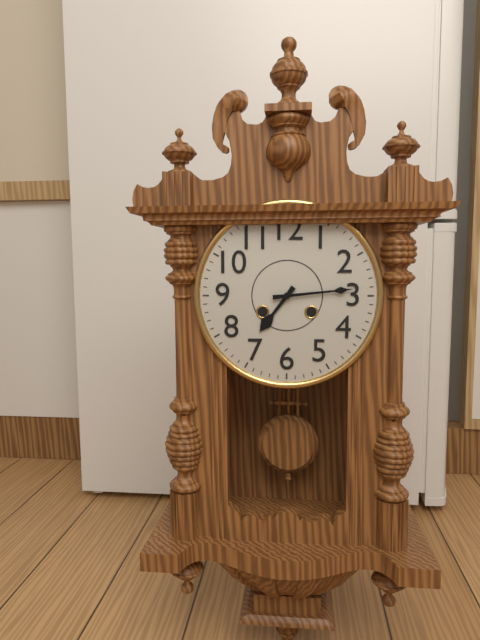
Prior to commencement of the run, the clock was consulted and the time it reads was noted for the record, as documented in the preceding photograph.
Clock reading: 7:14
